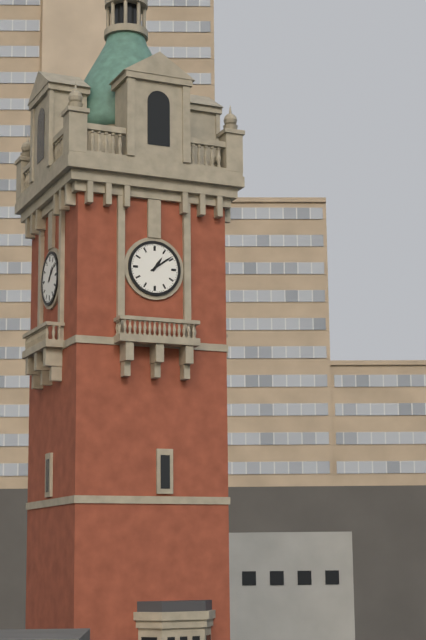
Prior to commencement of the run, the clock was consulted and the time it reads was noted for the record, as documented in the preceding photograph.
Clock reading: 1:09
